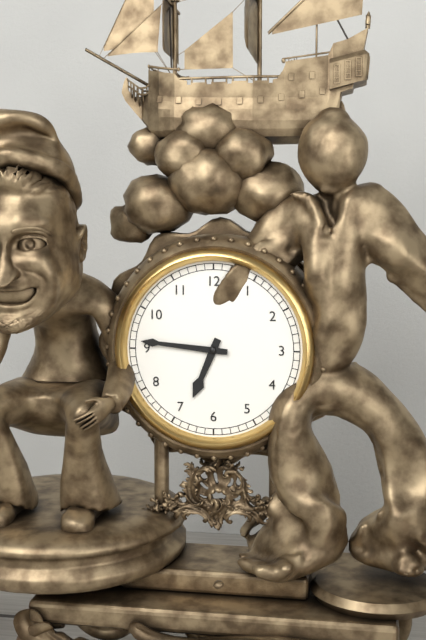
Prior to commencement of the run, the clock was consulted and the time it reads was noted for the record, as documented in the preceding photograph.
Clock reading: 6:46
